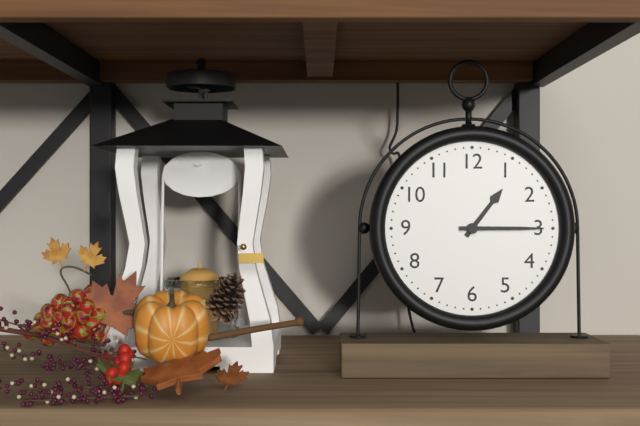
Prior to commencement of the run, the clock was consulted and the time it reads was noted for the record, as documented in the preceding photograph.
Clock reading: 1:15
